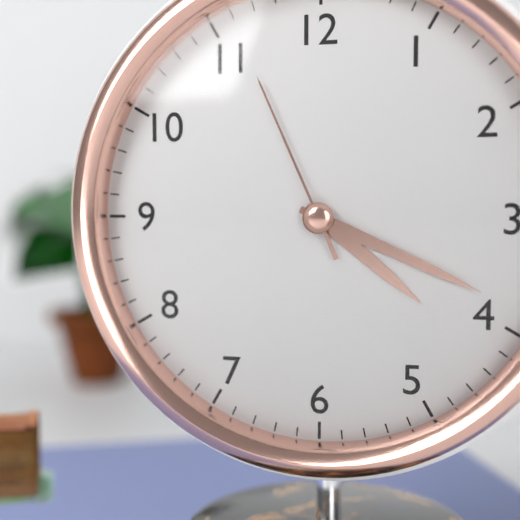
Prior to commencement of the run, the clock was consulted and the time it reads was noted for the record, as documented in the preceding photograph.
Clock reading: 4:19:56
